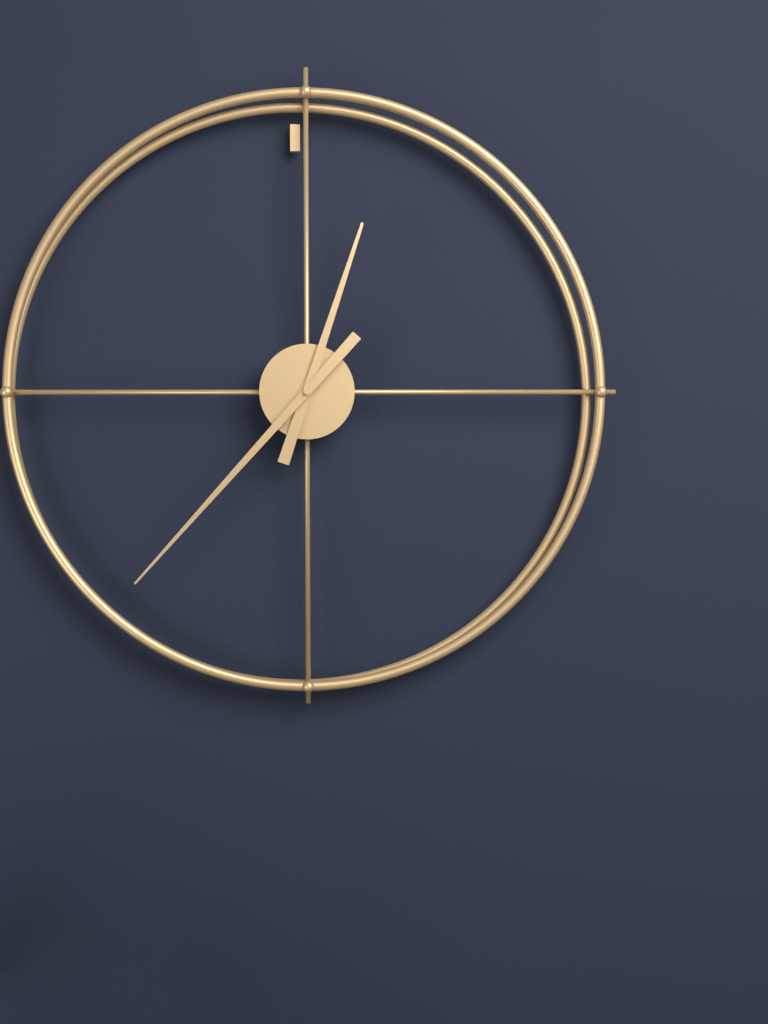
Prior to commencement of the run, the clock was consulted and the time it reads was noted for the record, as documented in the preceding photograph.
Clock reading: 12:37
